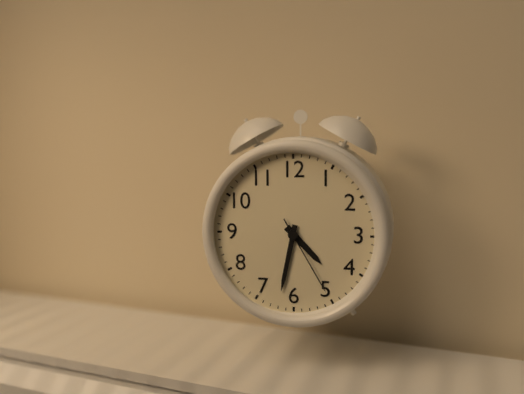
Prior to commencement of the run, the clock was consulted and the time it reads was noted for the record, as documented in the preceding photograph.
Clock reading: 4:32:25
